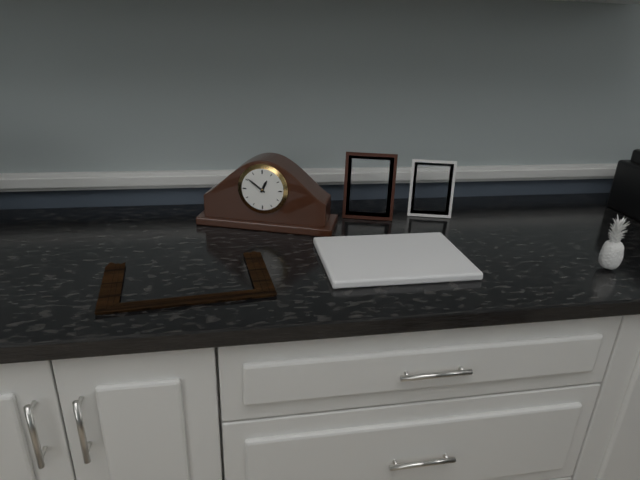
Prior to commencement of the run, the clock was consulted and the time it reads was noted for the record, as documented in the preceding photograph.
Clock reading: 12:51
